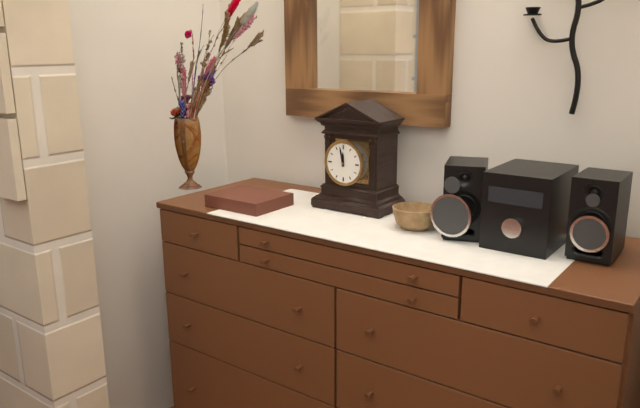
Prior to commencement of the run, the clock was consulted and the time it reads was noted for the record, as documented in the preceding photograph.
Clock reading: 11:58
